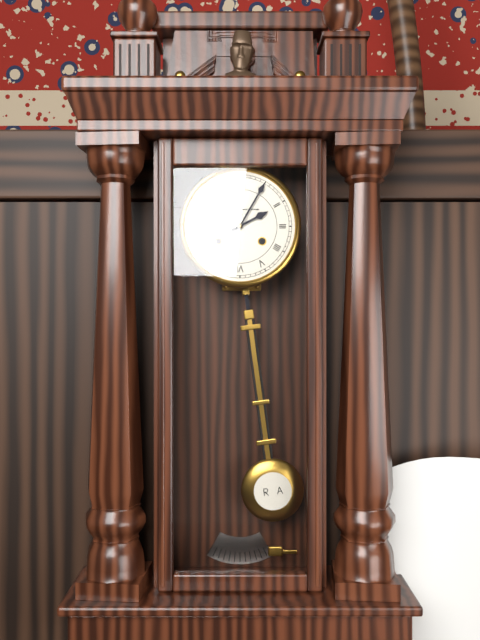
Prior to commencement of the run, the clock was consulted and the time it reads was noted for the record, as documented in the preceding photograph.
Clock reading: 2:05
